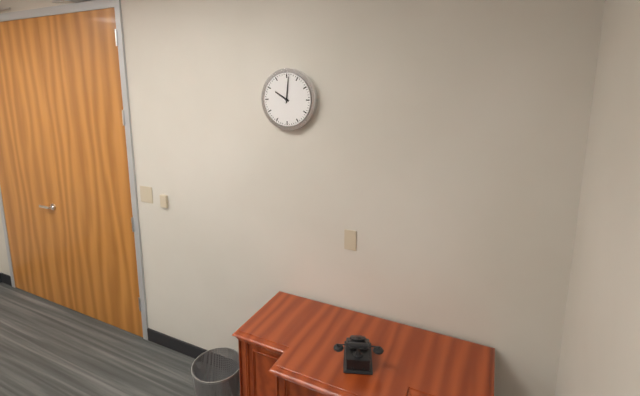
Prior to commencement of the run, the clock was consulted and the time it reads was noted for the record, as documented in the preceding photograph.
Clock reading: 10:01
